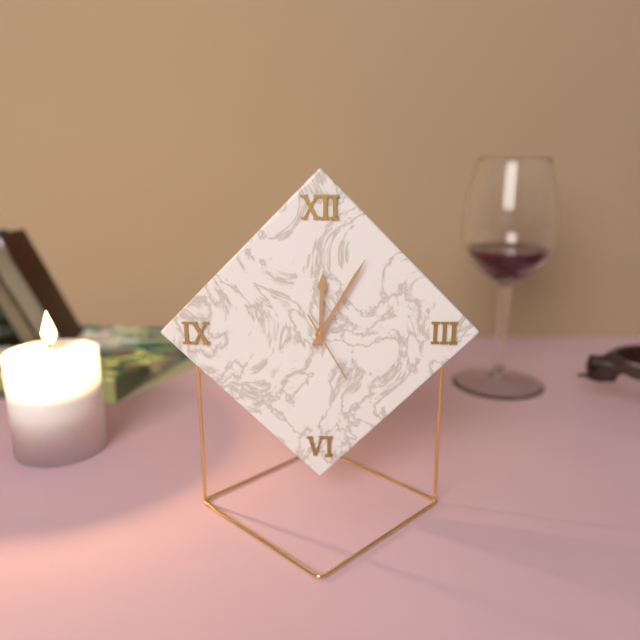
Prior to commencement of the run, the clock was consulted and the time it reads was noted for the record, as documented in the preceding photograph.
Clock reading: 12:05:25
